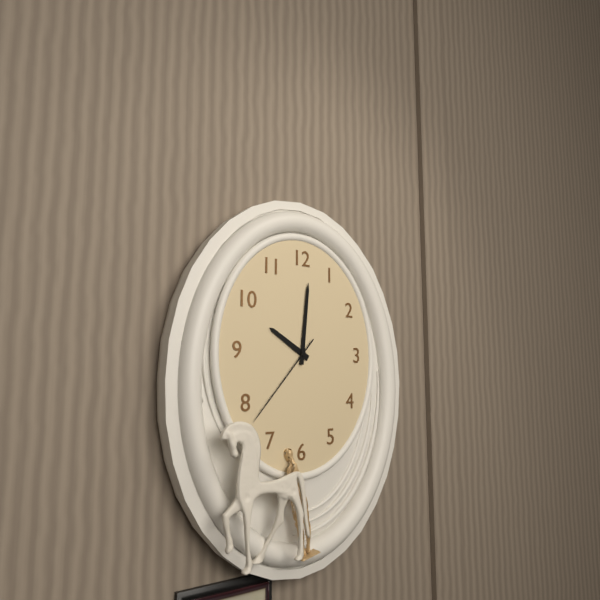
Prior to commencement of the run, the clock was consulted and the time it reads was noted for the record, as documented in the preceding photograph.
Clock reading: 10:01:37
